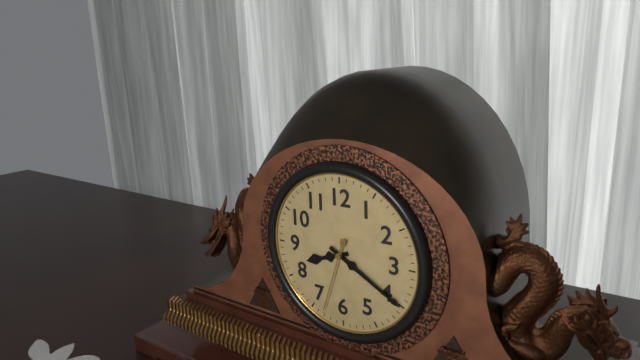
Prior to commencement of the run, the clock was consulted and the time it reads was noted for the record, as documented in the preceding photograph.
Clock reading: 8:20:33
